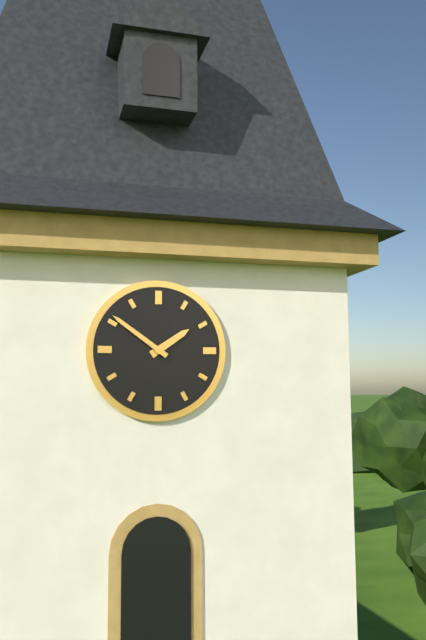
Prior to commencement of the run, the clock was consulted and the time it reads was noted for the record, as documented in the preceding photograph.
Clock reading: 1:51
